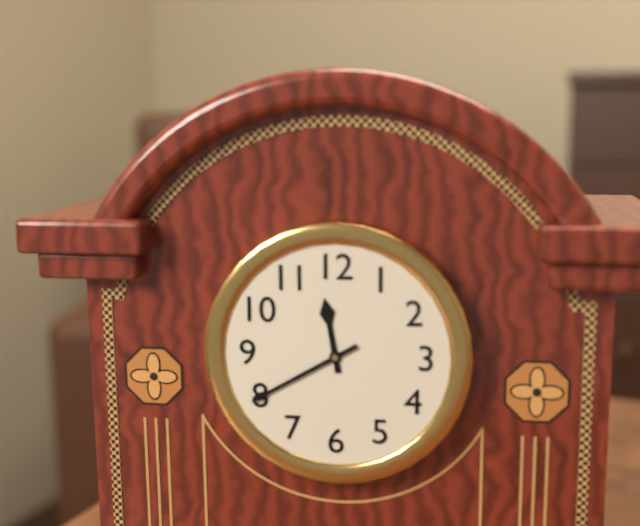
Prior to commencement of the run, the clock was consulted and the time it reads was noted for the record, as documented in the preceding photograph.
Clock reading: 11:40
